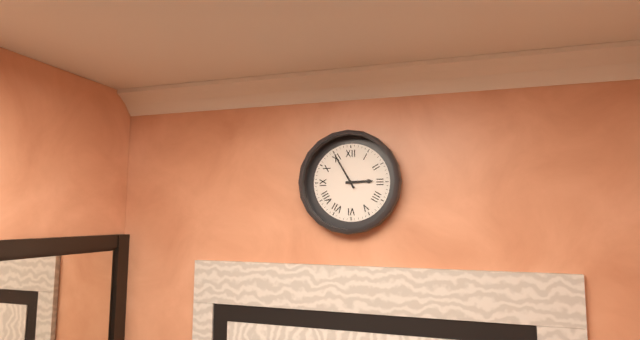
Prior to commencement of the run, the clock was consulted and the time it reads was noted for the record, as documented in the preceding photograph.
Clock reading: 2:55
